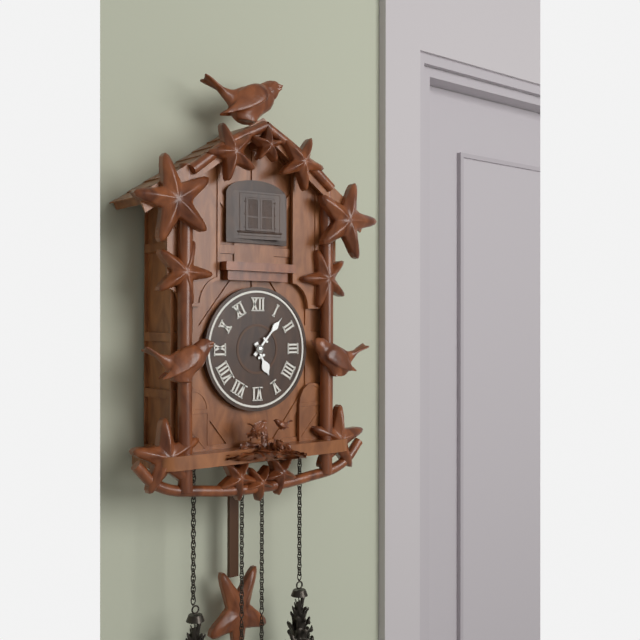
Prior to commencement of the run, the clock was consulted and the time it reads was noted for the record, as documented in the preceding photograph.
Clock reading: 5:07
